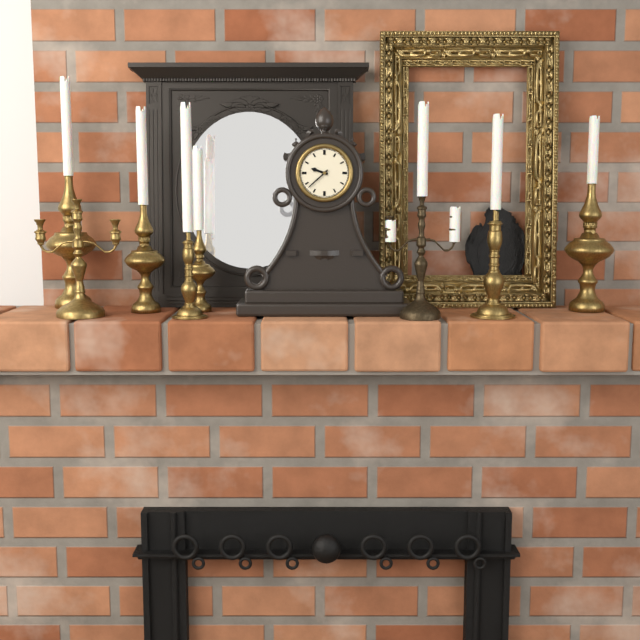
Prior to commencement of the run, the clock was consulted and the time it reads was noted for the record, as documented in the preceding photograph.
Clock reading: 9:38
